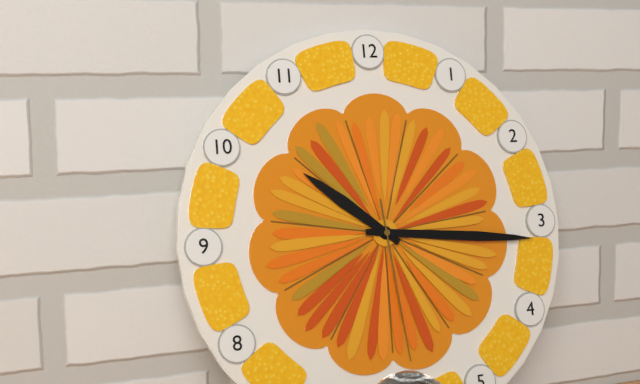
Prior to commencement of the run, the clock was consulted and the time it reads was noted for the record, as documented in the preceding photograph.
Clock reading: 10:16:29
